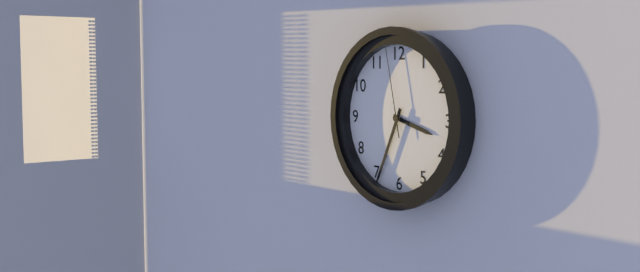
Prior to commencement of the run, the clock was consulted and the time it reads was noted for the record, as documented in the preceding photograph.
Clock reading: 3:34:58
